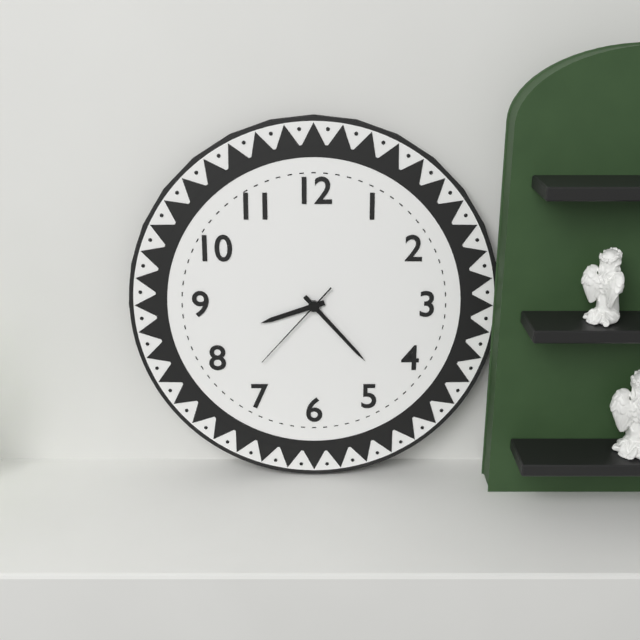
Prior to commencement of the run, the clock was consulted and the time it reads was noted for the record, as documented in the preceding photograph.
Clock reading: 8:23:37
